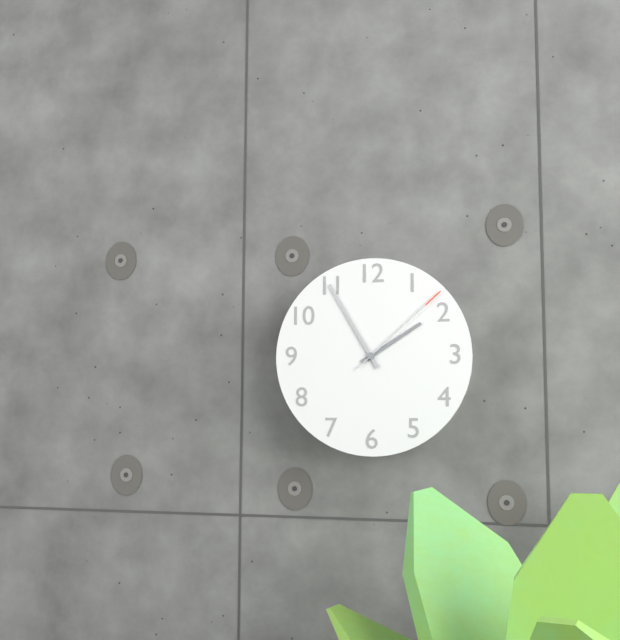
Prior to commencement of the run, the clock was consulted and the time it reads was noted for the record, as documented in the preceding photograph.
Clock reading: 1:55:08
